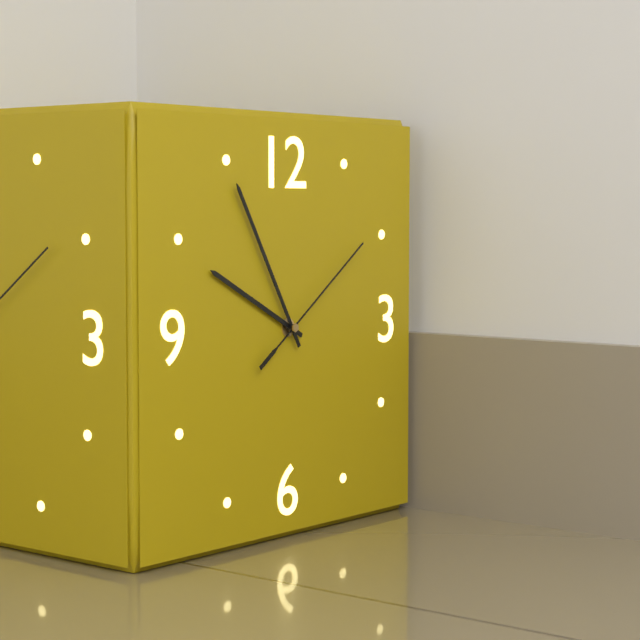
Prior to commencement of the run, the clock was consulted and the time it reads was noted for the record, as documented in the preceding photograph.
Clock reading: 9:55:09
